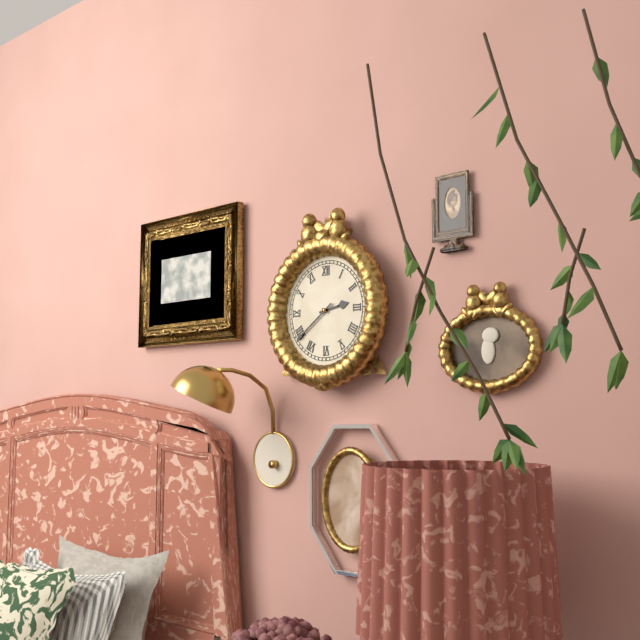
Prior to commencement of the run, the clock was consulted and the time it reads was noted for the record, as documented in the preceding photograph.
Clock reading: 2:39
